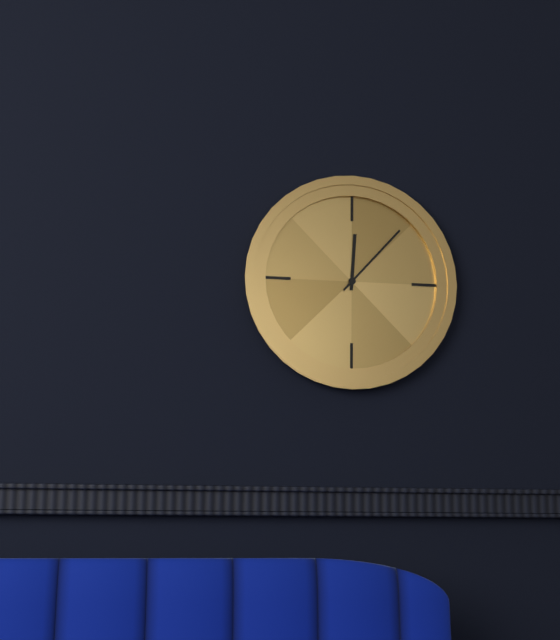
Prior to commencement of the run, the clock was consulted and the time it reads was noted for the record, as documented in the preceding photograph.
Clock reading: 12:07
